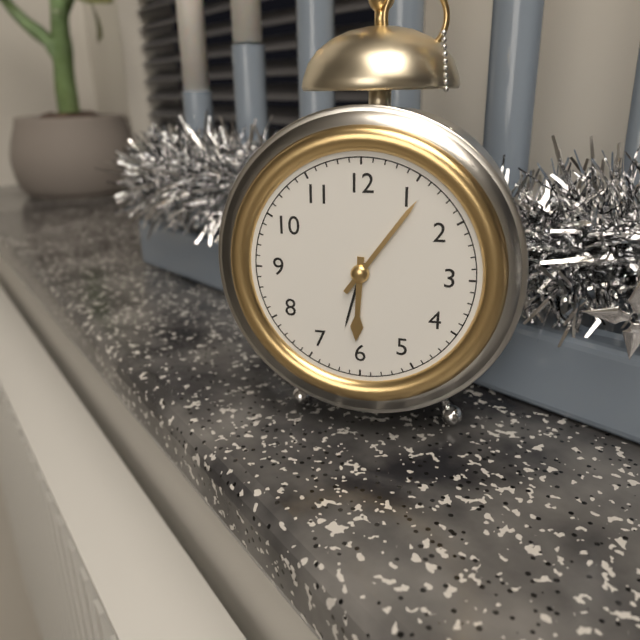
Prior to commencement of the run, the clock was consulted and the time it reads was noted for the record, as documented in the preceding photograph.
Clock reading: 6:06
